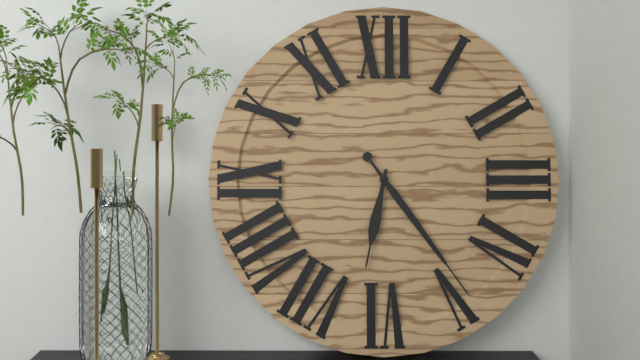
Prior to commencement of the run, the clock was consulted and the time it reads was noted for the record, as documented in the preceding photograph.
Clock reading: 6:24
